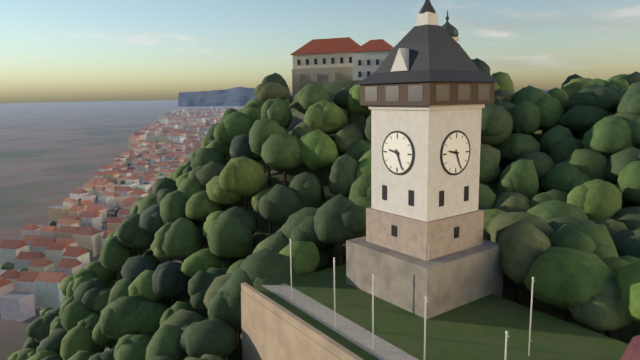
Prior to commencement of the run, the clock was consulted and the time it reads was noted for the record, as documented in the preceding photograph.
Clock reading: 9:26
